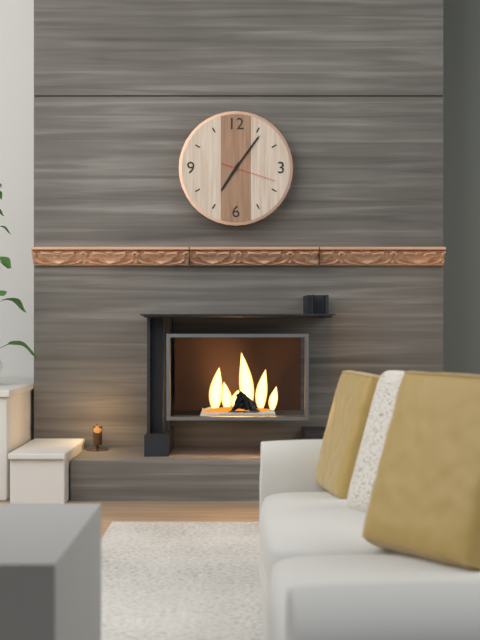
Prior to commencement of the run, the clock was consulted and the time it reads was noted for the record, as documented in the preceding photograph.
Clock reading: 7:06:18
